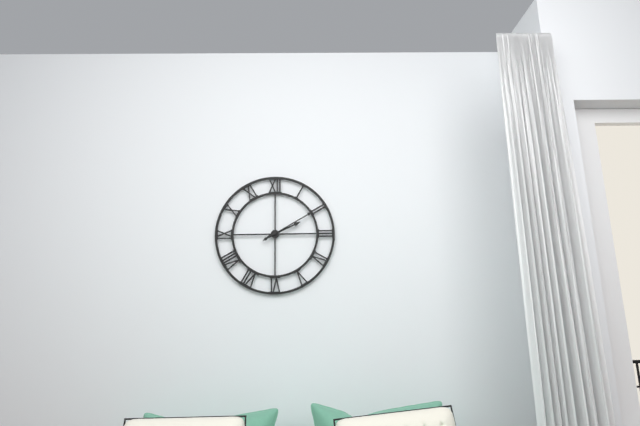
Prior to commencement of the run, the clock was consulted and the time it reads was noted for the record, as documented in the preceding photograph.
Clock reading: 2:10
